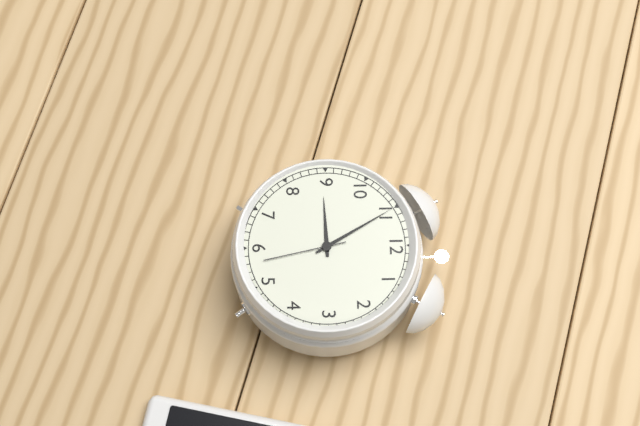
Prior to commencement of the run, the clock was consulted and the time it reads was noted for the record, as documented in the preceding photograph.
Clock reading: 8:55:28
